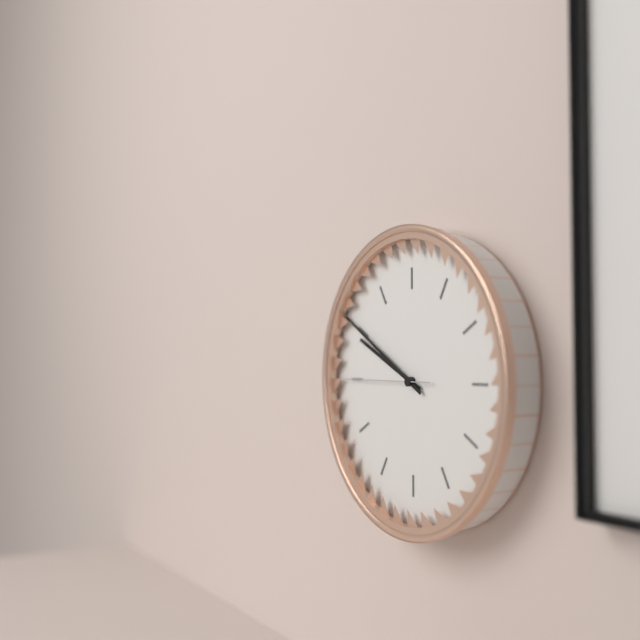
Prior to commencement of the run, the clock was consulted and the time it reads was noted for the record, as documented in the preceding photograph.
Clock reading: 9:50:45
